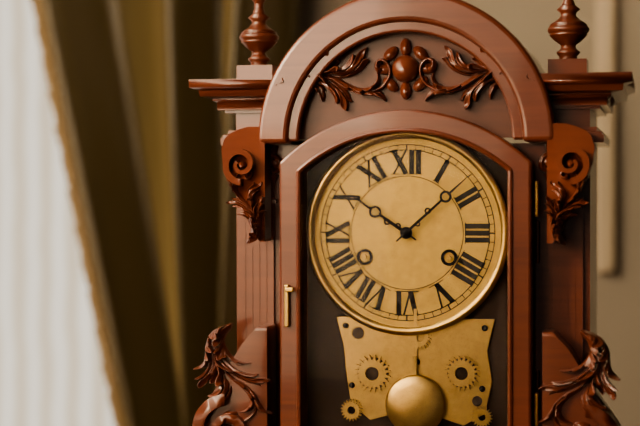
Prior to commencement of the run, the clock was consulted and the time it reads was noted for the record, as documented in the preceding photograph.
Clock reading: 10:08
